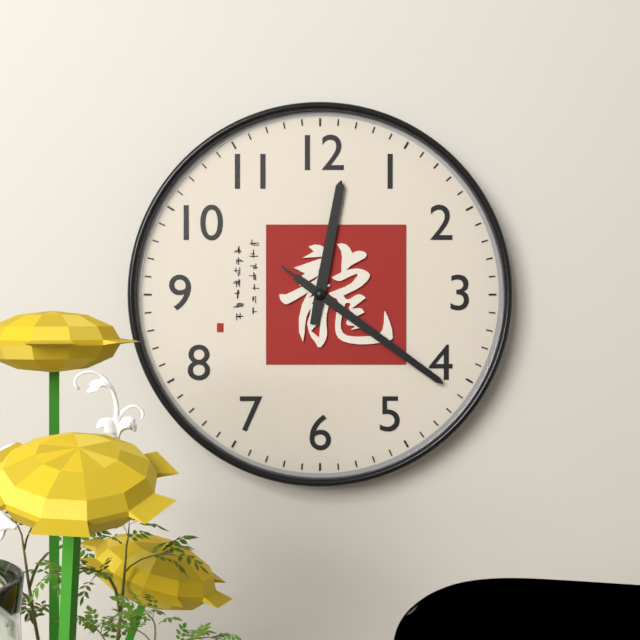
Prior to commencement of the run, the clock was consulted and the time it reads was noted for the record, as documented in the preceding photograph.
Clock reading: 12:21:21
